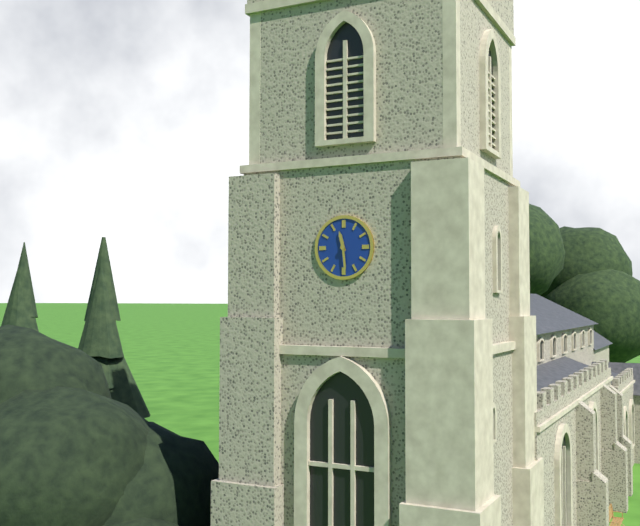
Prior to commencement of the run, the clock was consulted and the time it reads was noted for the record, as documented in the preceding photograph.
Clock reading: 11:29
